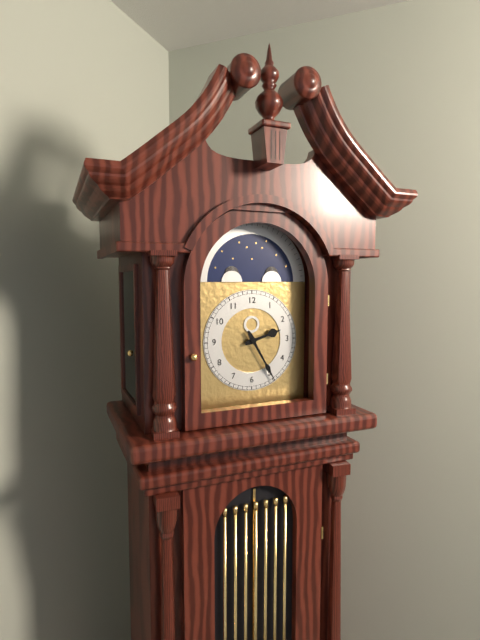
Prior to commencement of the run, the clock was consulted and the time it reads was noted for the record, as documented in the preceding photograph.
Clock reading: 2:25
